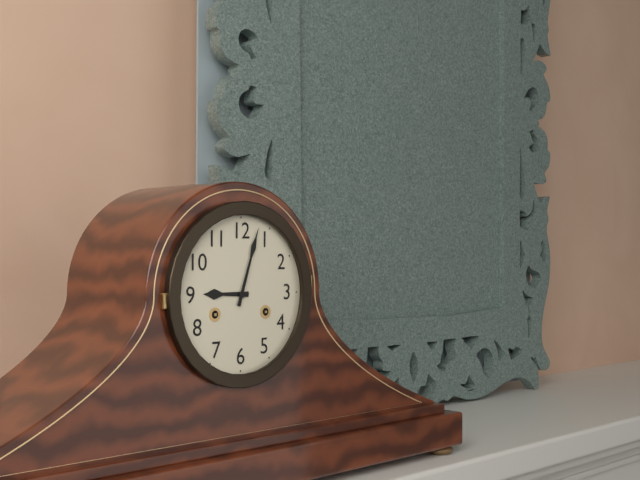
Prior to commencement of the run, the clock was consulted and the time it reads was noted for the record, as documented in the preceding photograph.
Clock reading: 9:03
